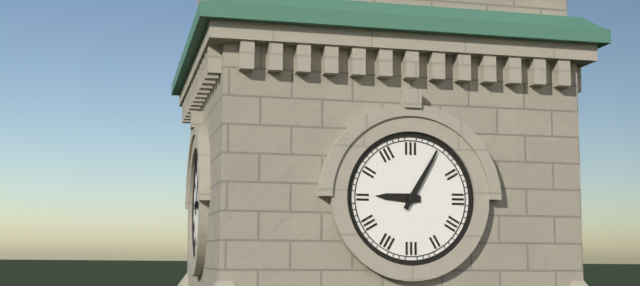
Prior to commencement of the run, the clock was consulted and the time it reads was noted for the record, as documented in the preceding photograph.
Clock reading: 9:05
